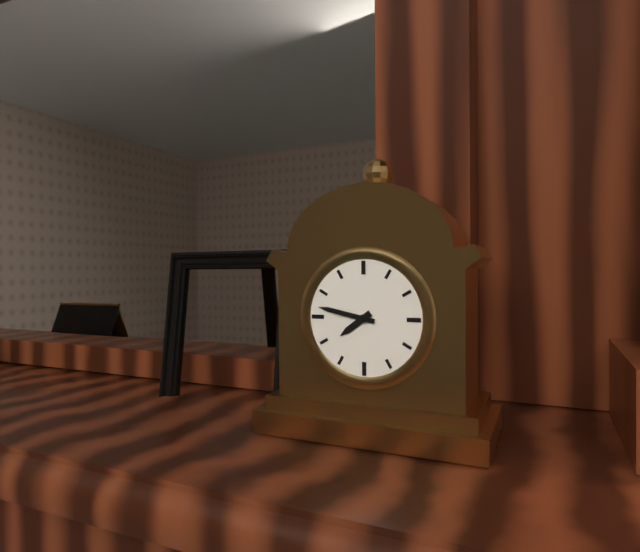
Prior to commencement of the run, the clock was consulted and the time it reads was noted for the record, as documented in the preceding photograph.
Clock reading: 7:47
